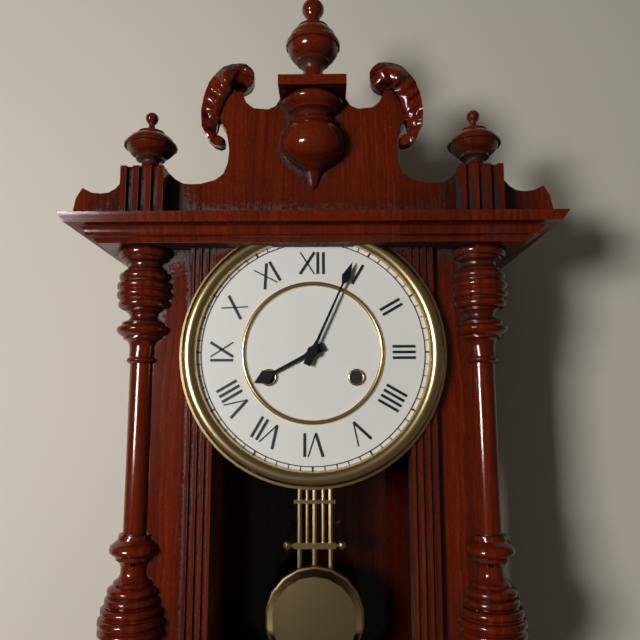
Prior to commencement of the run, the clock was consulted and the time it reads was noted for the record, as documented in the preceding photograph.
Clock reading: 8:04
